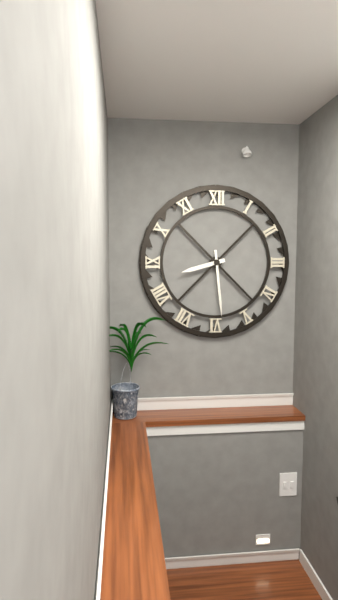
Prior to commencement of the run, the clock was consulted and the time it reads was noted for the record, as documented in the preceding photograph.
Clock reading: 8:29
